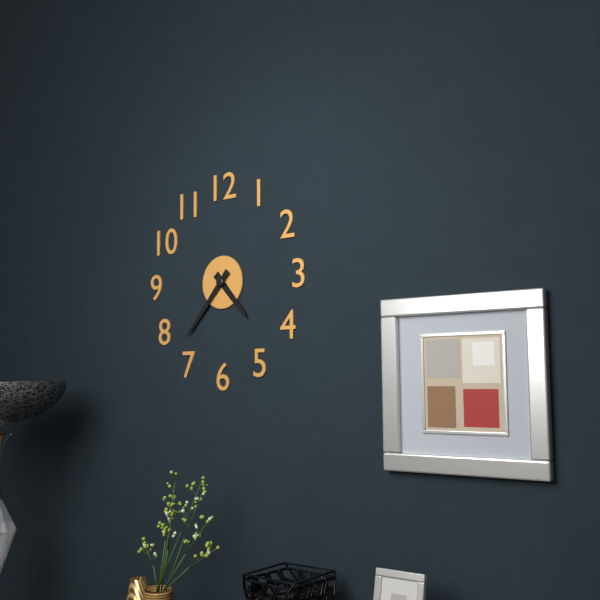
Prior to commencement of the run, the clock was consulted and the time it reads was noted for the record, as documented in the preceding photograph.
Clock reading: 4:37
